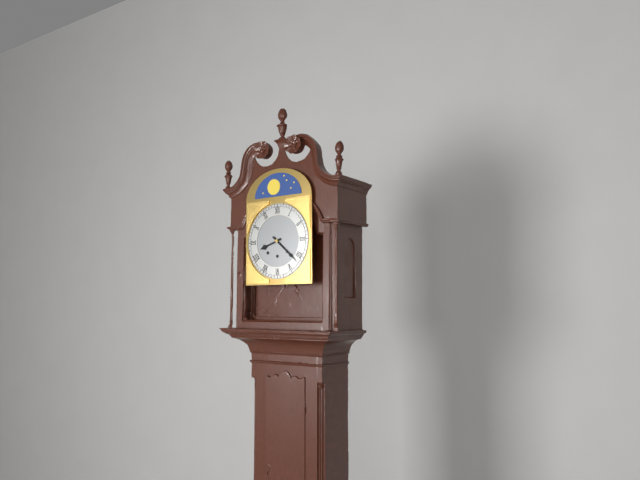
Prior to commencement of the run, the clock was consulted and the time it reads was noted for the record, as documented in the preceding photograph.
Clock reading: 8:22
